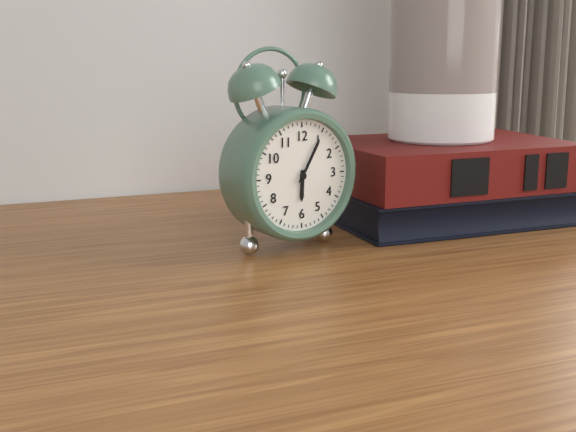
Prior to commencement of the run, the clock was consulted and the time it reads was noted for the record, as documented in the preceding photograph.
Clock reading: 6:05
